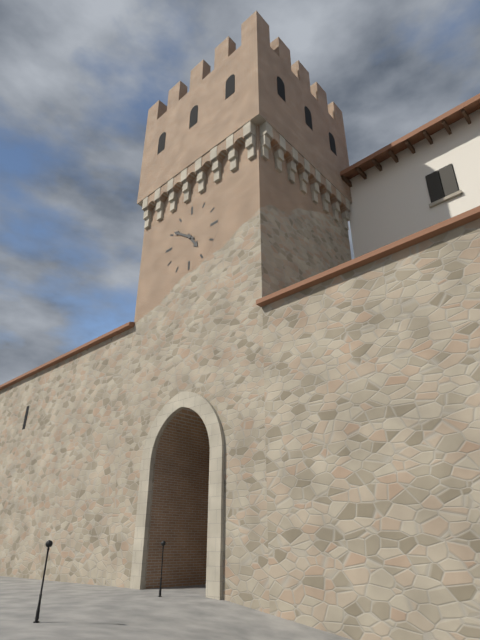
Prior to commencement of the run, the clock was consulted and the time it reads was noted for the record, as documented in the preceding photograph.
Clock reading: 4:51
